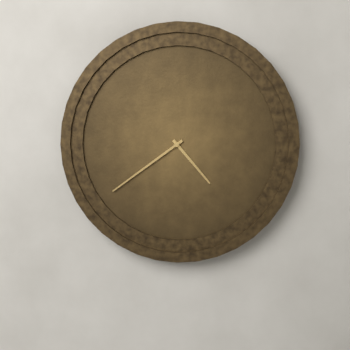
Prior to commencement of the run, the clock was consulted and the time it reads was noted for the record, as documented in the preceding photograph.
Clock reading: 4:39
